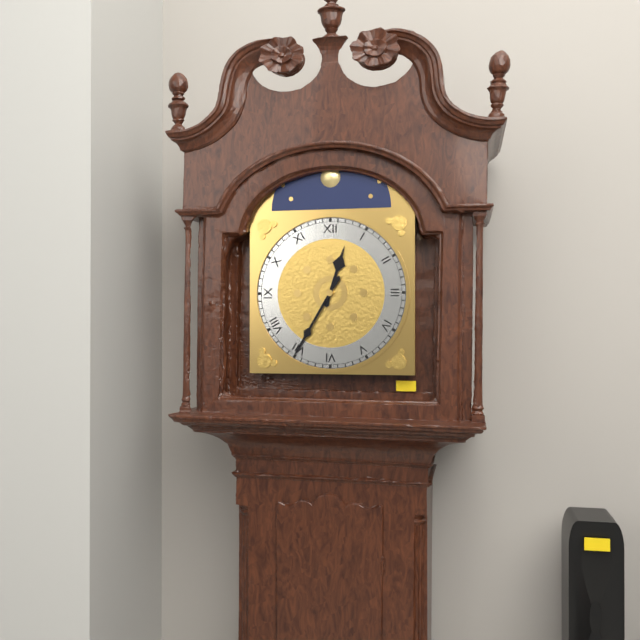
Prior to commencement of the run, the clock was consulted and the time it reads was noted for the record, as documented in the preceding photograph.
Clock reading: 12:35
